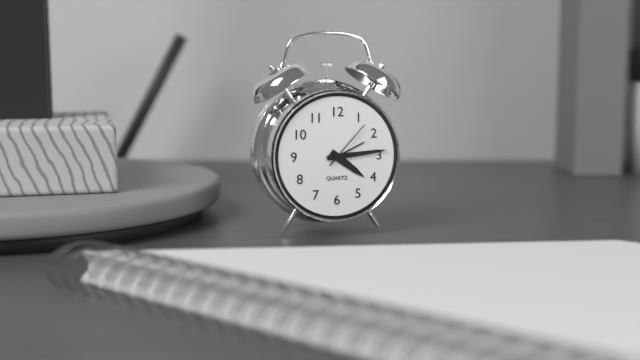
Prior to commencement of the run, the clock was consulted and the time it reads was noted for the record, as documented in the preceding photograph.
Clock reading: 4:14:07
